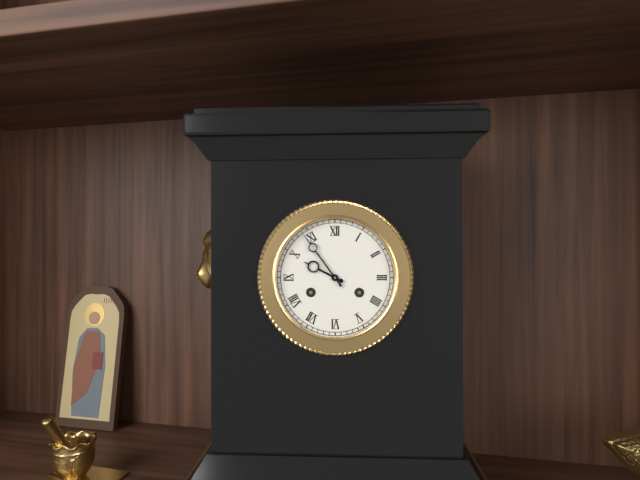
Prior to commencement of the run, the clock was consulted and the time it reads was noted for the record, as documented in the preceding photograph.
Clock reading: 9:54
